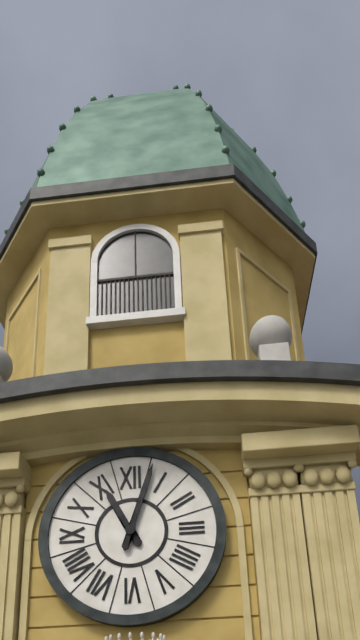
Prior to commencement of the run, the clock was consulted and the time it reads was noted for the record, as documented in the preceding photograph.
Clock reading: 11:03
